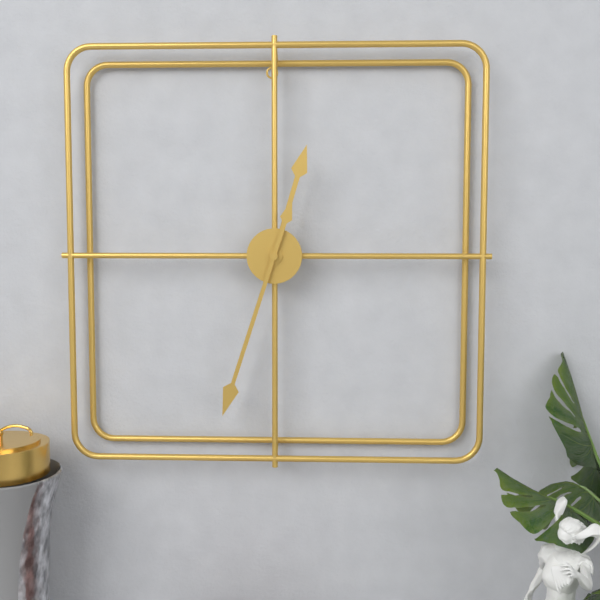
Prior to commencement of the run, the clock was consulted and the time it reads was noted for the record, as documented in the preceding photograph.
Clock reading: 12:33
